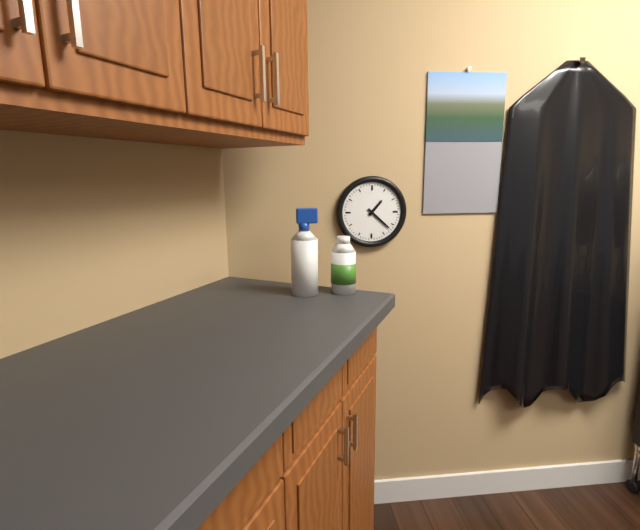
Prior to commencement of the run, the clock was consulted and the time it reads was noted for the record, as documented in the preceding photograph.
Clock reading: 1:22
